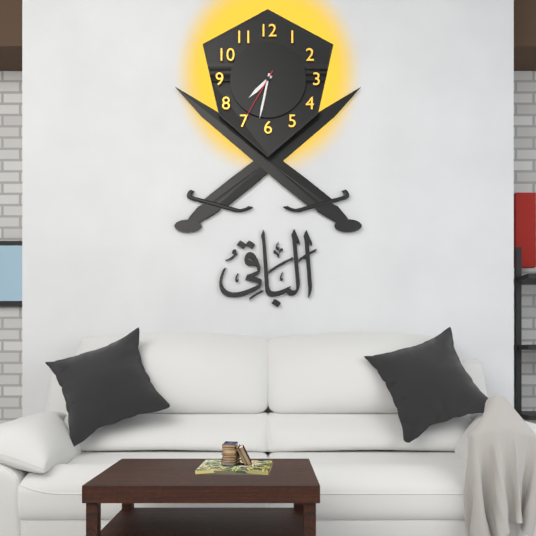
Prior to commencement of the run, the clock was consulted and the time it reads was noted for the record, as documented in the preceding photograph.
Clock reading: 7:32:35
